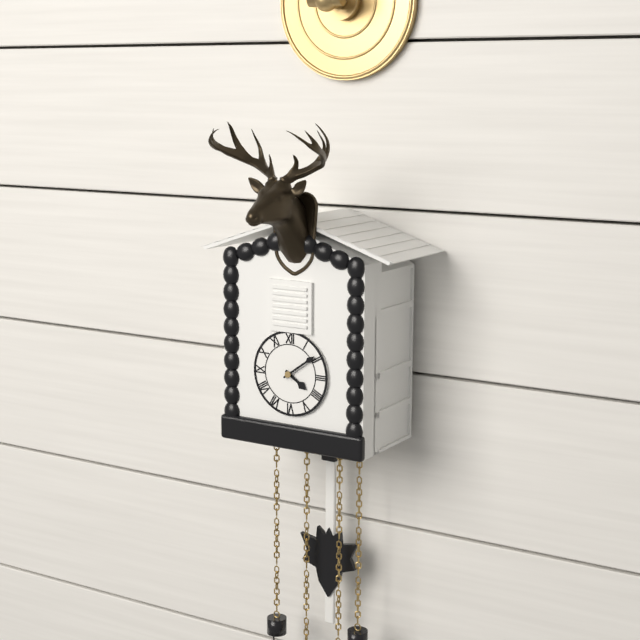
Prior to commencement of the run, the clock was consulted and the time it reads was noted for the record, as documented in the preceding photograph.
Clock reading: 4:09
